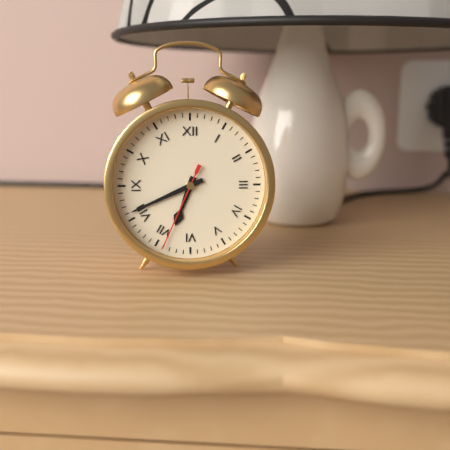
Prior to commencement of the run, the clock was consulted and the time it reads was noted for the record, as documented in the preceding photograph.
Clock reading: 6:41:34
